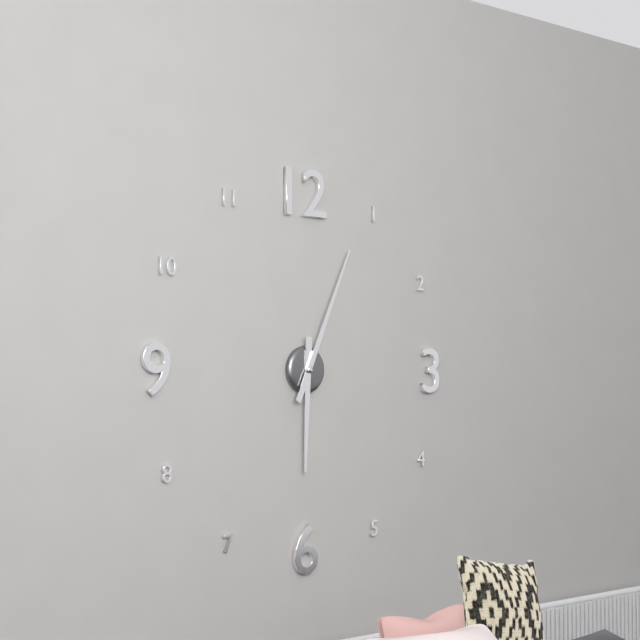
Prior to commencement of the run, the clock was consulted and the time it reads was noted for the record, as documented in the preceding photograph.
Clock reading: 6:04
